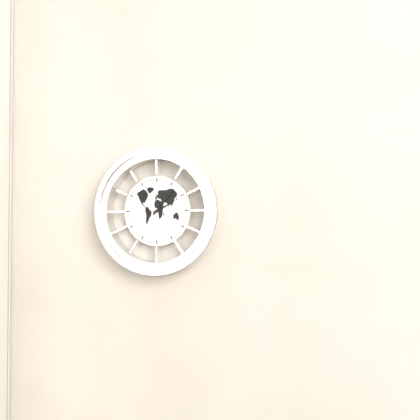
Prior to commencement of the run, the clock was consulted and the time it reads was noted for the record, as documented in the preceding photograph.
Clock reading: 2:07
